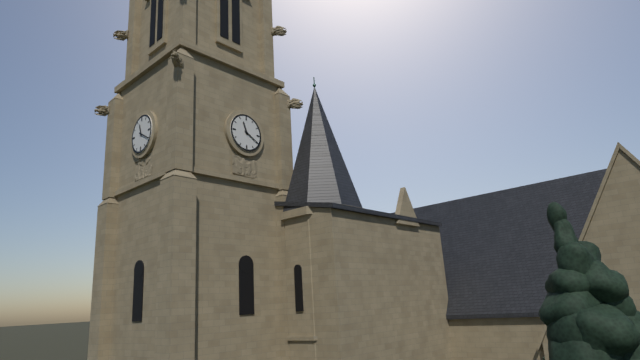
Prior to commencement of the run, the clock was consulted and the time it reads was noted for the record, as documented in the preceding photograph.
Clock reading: 11:20
